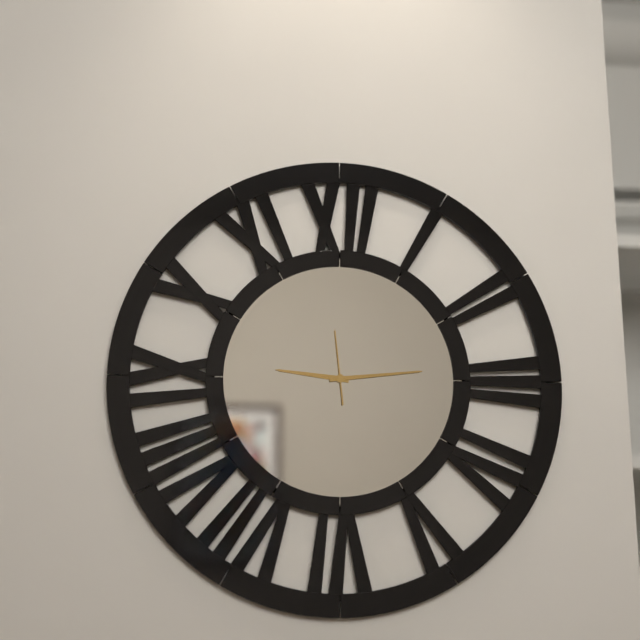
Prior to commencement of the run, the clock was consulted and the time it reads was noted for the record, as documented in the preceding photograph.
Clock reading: 9:14:59
